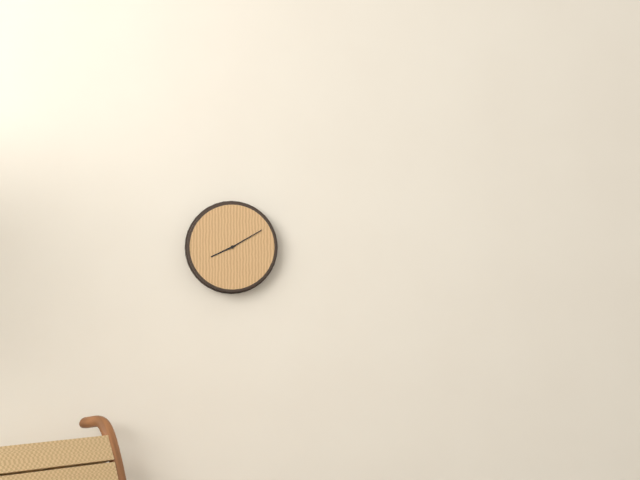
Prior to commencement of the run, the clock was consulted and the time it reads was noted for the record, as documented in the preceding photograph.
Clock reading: 8:10
